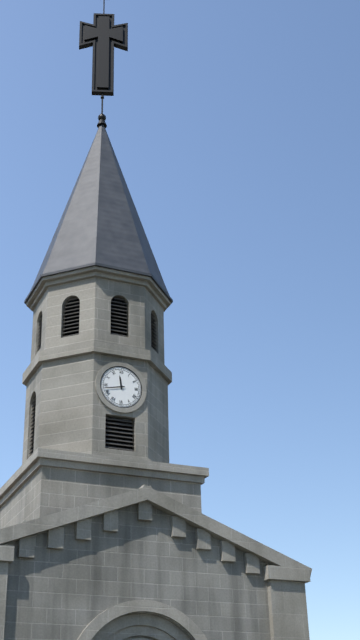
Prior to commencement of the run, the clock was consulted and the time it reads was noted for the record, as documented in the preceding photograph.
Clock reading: 11:43
